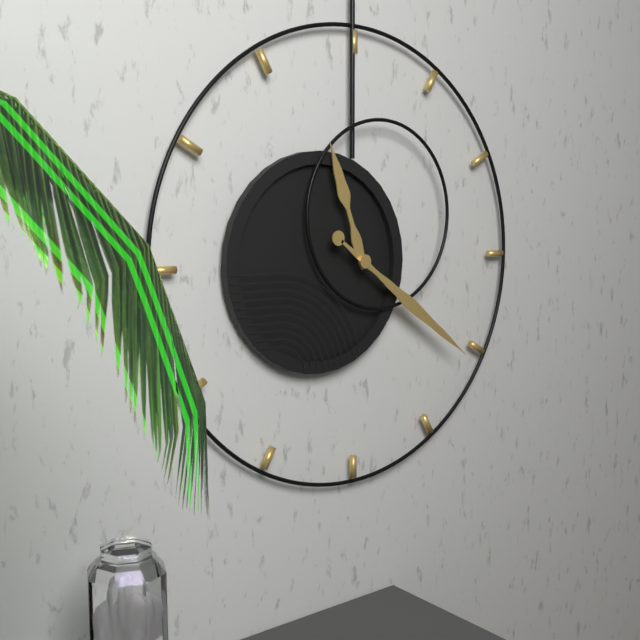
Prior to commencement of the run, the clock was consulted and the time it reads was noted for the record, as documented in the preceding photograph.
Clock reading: 11:21
